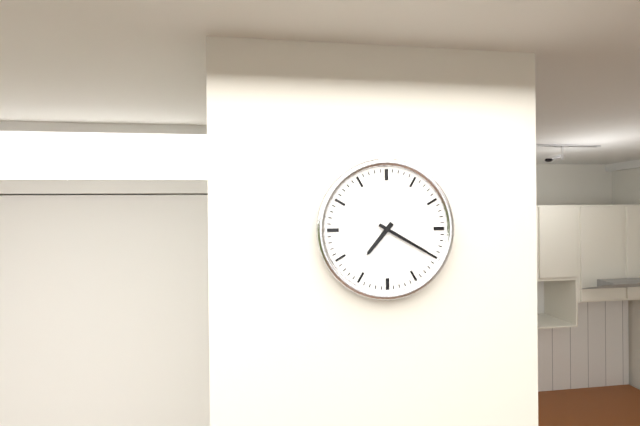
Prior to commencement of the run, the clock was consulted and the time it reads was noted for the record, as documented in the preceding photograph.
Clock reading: 7:20
